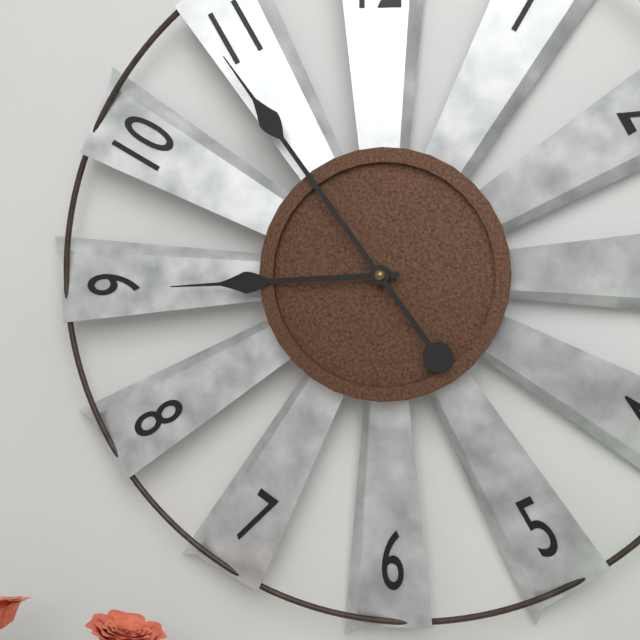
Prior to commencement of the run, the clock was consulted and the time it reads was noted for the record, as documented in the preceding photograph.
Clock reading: 8:54
